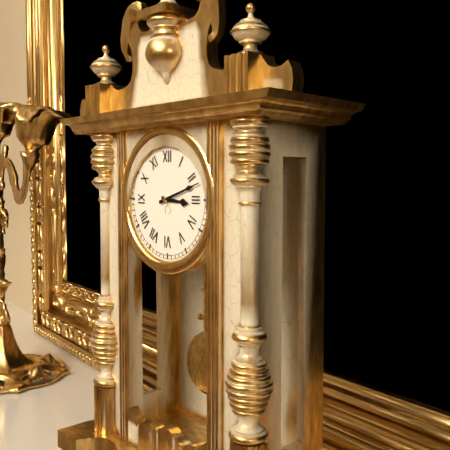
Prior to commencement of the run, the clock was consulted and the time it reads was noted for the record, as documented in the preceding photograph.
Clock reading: 3:12
